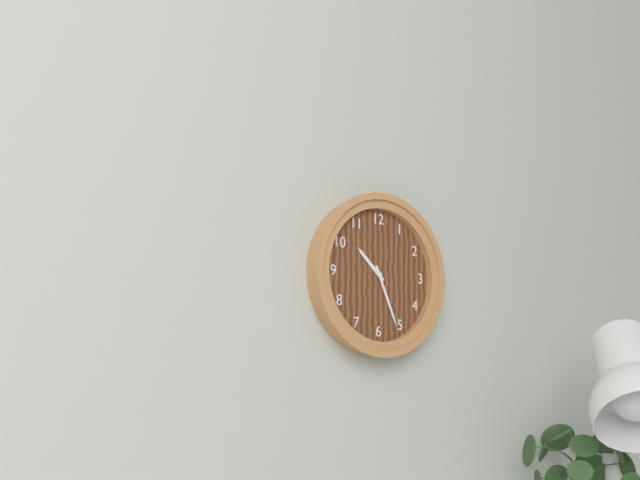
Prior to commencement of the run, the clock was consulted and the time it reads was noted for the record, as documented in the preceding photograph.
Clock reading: 10:26
